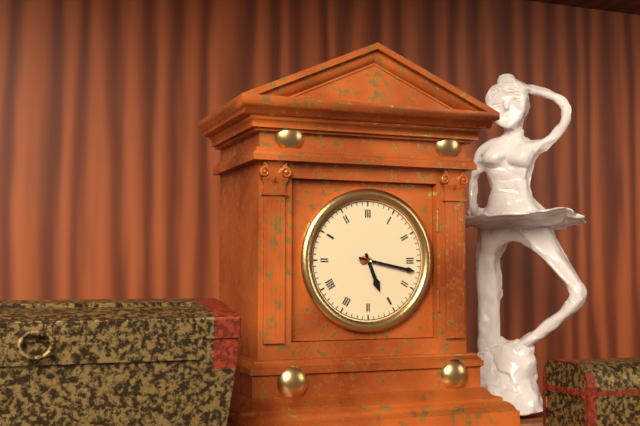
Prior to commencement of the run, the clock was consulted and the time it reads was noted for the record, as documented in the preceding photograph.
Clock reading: 5:17
